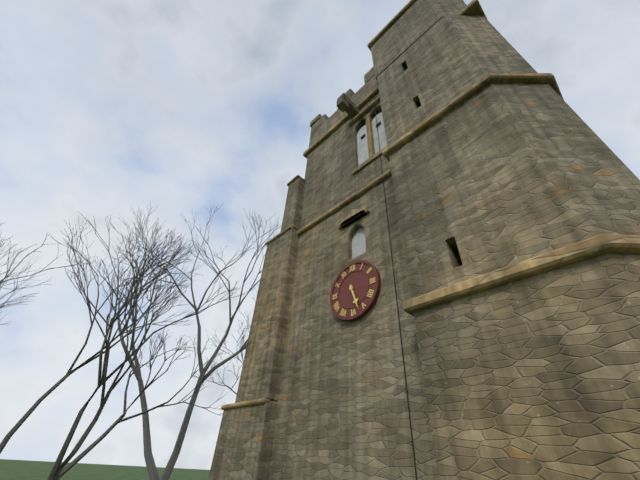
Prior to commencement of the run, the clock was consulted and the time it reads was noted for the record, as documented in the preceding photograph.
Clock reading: 5:27
